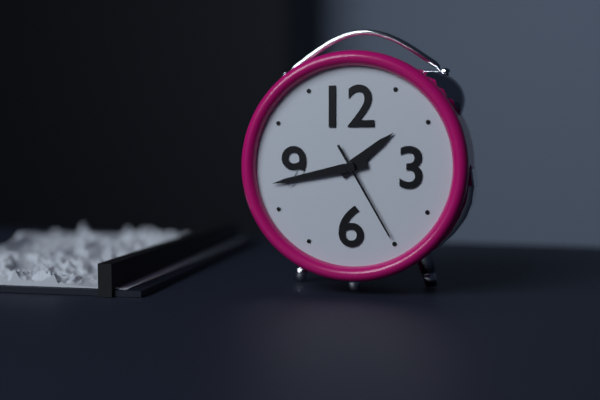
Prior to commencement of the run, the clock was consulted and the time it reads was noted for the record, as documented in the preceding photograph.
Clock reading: 1:43:25
